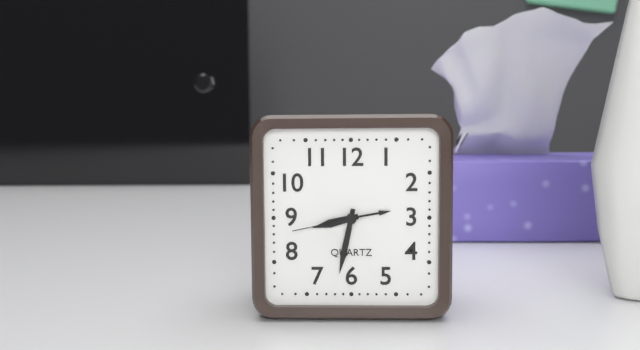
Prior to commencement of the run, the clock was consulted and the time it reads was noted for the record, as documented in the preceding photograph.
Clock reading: 8:32:43
